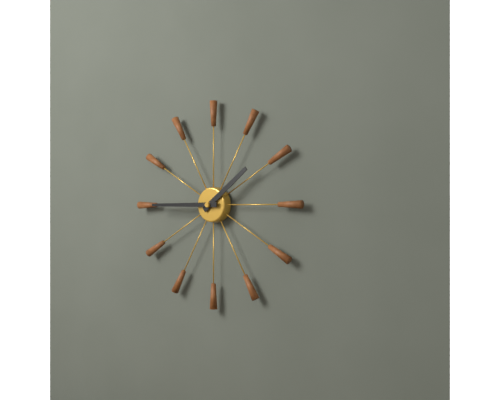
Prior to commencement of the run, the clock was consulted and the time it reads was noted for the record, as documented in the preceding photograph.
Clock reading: 1:45
